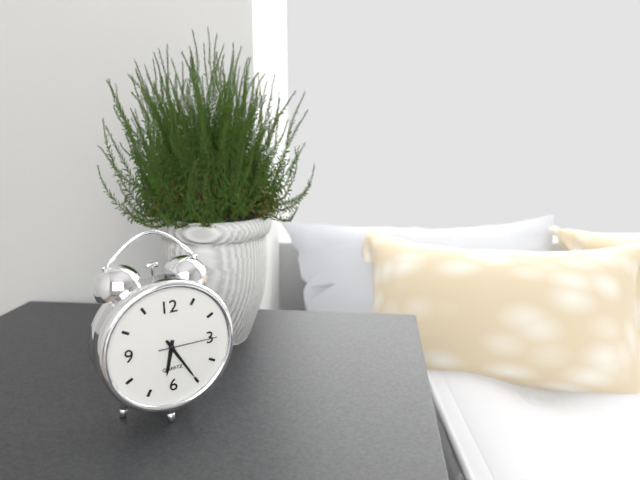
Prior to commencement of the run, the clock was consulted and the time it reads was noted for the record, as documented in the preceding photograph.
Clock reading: 6:25:15
